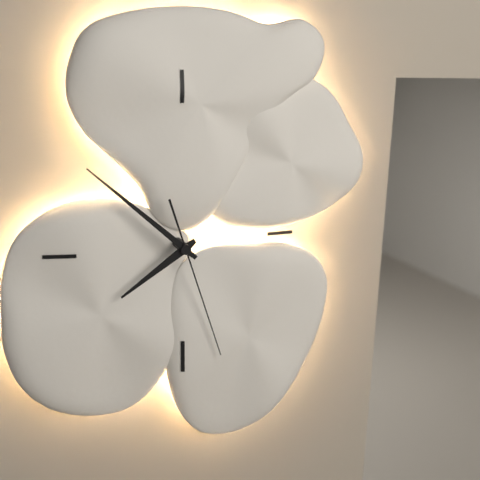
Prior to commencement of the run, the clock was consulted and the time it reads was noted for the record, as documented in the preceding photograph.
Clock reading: 7:52:27
